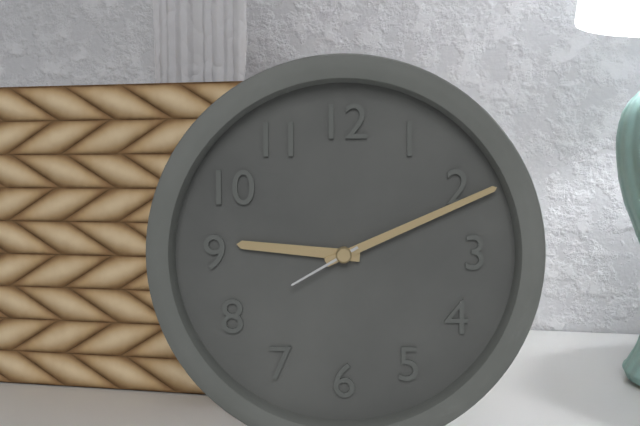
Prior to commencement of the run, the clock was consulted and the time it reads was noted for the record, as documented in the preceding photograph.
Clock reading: 9:11:40
